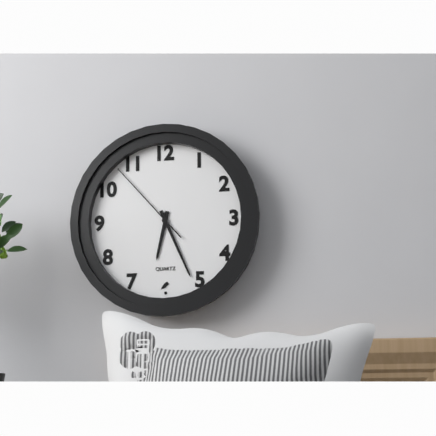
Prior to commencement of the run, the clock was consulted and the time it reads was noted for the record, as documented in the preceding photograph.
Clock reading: 6:26:53
